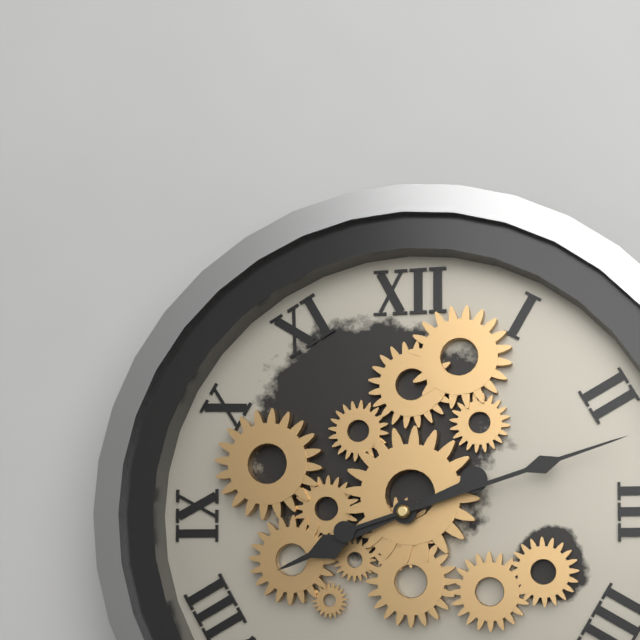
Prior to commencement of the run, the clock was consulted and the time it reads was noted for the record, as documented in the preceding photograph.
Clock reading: 8:12
